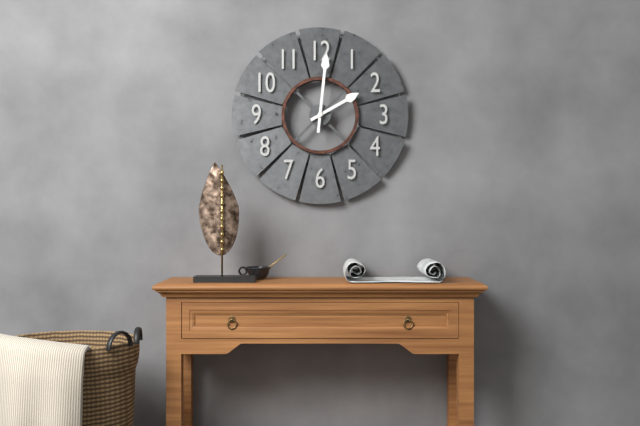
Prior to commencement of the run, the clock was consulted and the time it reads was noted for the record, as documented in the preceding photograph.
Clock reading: 2:01
